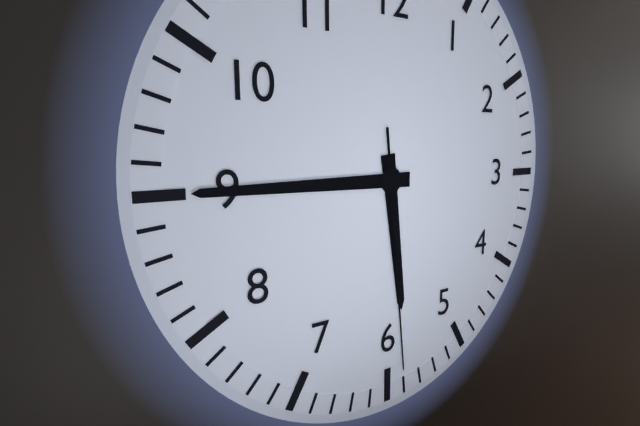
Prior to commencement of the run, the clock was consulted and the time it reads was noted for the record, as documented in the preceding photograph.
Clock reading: 5:45:29
